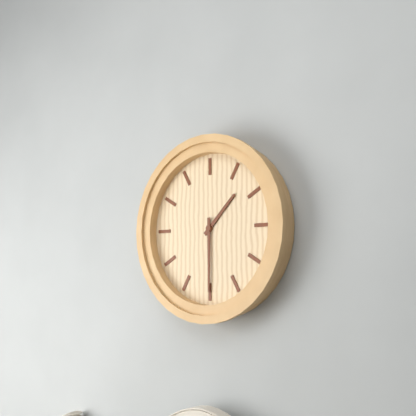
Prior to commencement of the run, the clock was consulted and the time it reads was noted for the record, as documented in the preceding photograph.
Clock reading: 1:30
